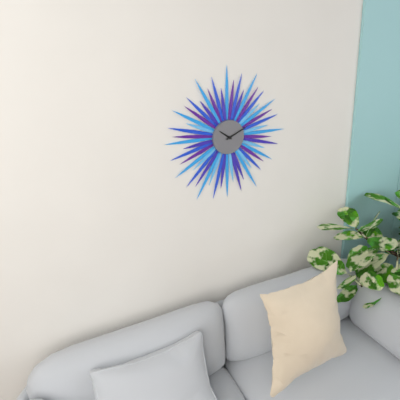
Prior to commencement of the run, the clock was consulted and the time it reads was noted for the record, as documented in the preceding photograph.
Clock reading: 10:11
